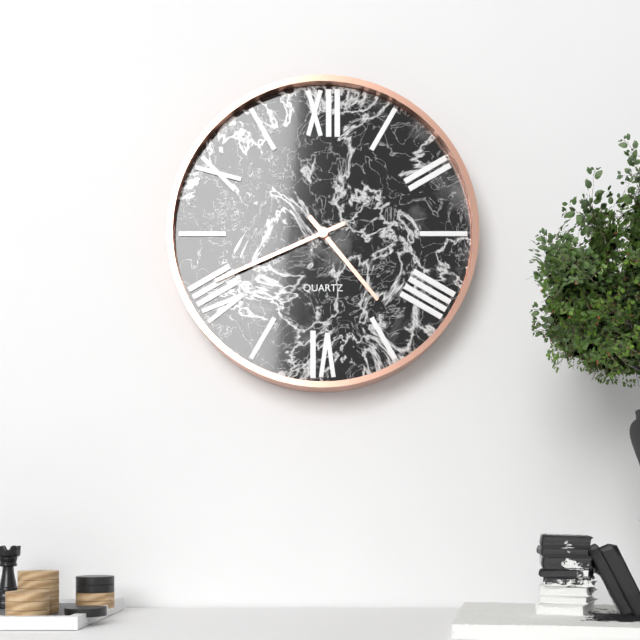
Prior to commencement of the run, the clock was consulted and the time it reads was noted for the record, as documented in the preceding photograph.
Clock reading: 4:41
